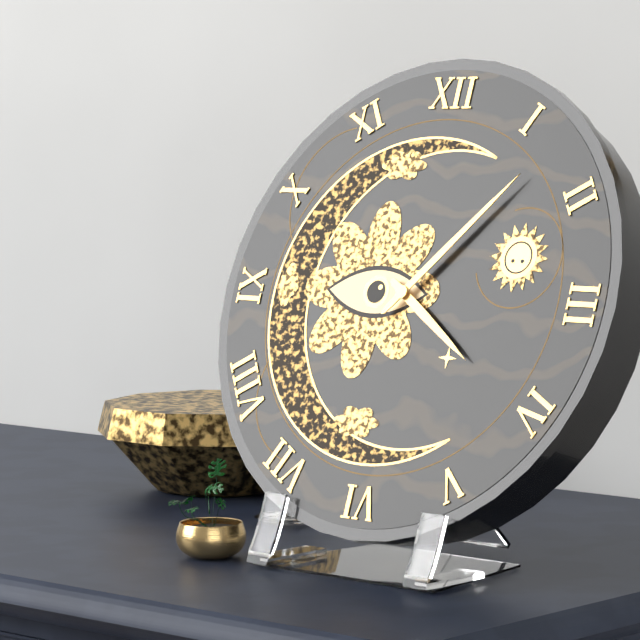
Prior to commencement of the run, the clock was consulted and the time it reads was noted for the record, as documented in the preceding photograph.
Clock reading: 4:07
